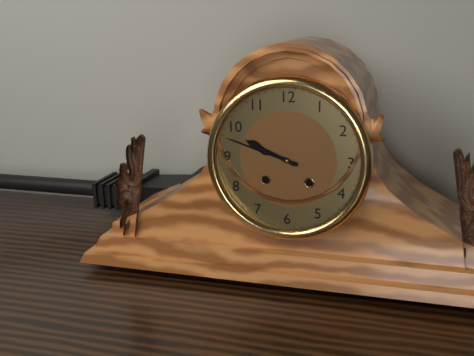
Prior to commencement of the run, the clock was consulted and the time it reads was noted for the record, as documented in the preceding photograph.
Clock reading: 9:48
